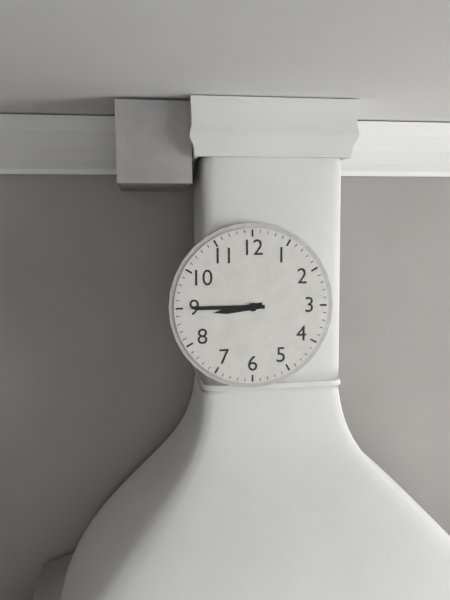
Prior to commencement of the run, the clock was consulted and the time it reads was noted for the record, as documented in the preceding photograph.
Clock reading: 8:45
